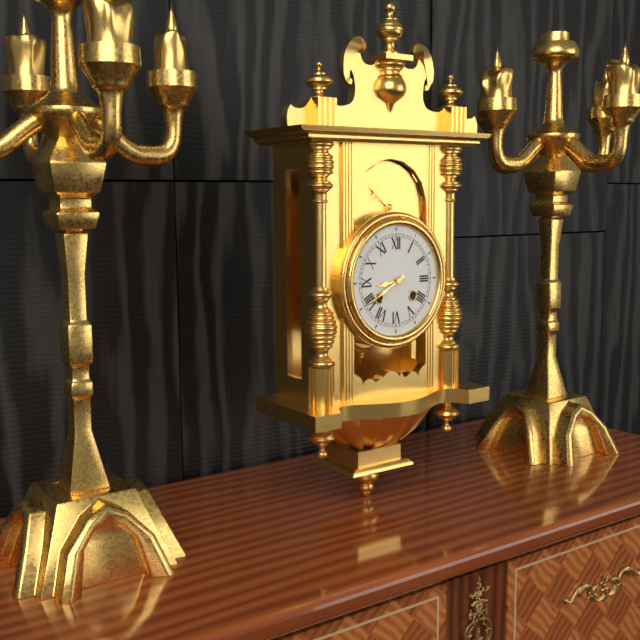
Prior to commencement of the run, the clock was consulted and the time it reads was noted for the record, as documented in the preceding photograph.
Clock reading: 8:40
